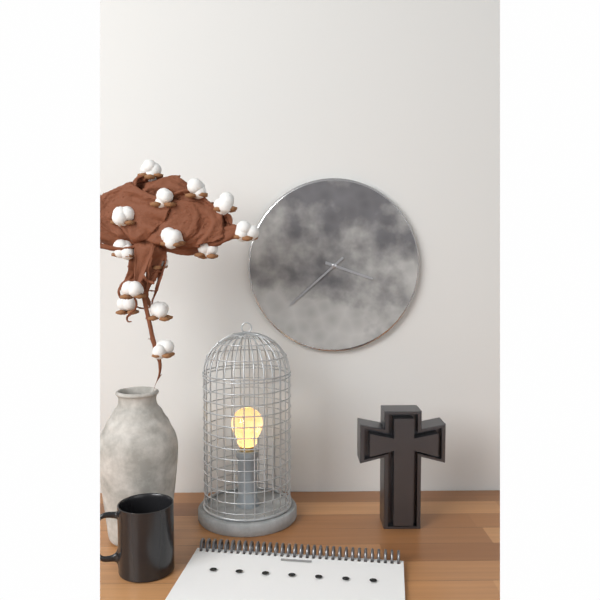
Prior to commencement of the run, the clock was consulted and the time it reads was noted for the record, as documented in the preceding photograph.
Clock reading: 3:38
